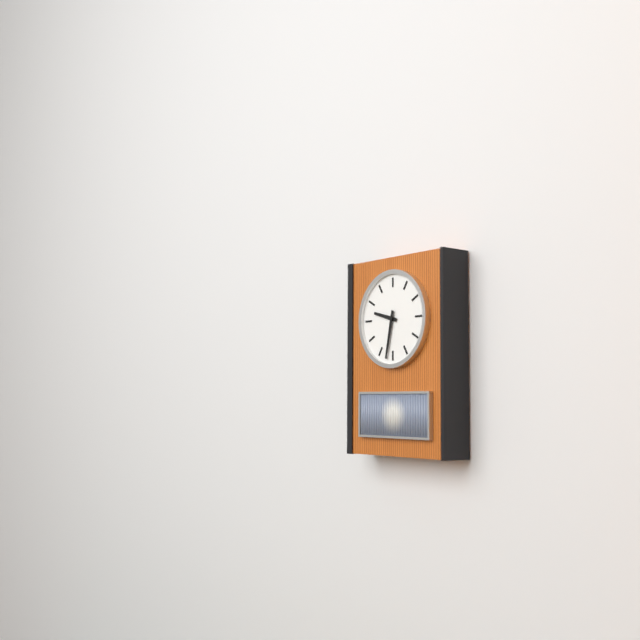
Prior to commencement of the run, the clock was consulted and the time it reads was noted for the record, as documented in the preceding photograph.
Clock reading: 9:32
